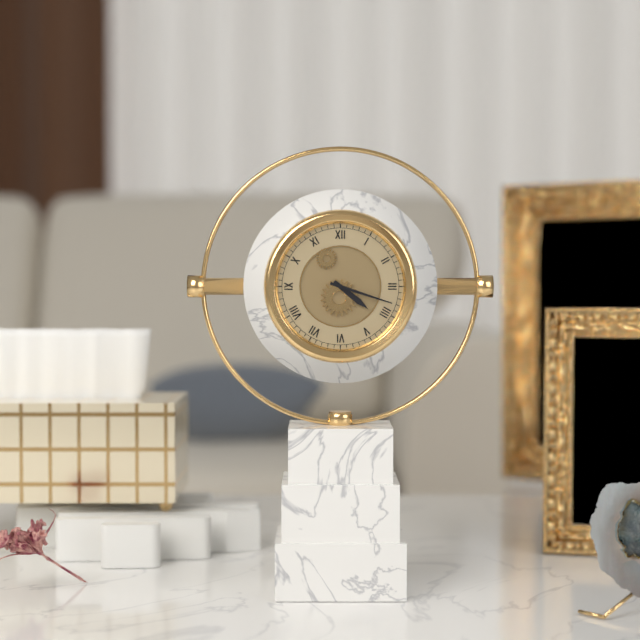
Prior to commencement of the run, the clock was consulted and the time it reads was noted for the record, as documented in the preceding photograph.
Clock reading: 4:18
